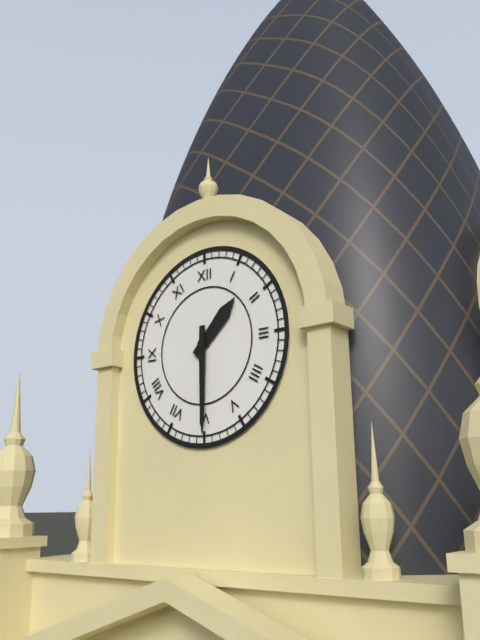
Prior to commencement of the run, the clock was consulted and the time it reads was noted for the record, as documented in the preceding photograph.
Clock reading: 1:30
